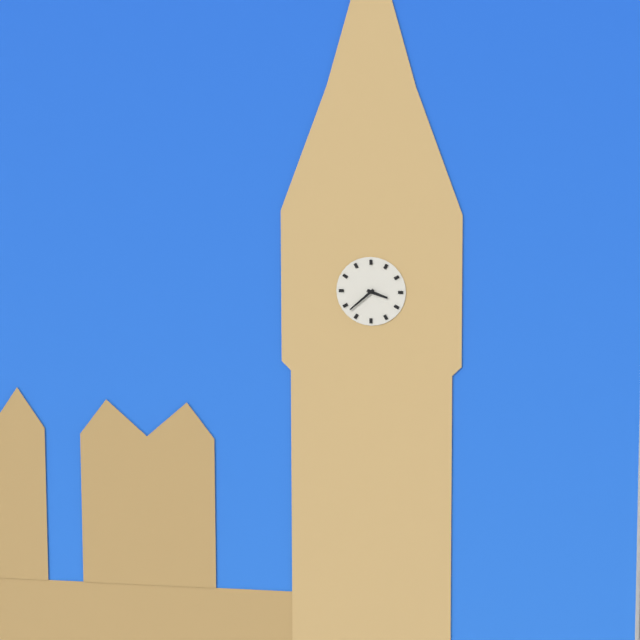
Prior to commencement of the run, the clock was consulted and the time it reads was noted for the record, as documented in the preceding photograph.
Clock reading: 3:38
